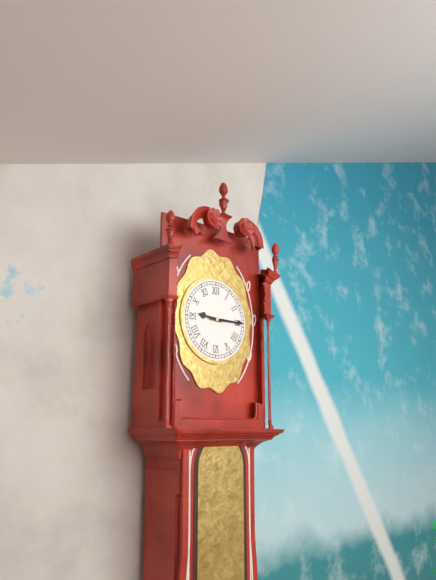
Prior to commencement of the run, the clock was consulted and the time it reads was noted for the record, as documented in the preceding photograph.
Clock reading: 9:15
